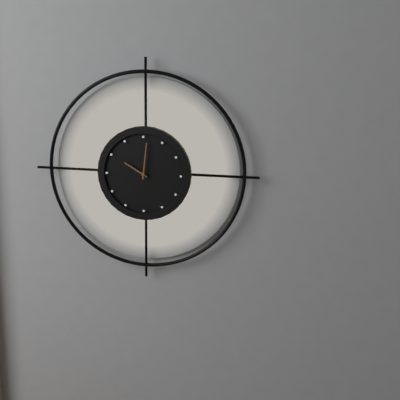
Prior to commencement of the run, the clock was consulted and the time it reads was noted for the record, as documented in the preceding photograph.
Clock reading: 10:01
